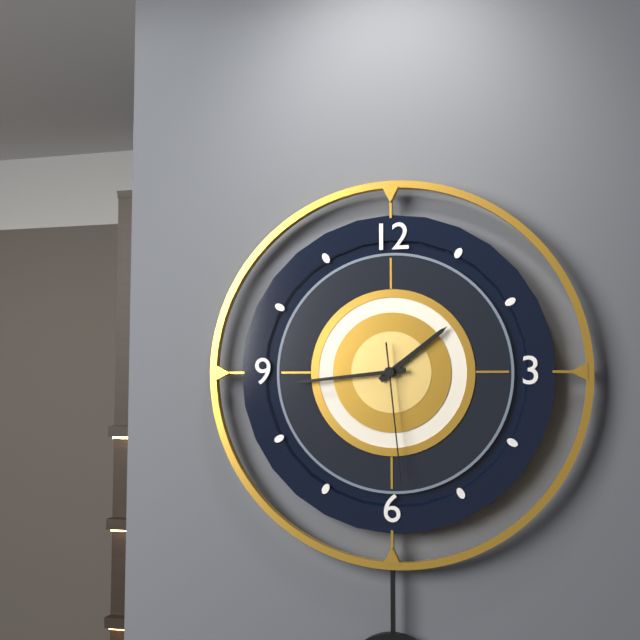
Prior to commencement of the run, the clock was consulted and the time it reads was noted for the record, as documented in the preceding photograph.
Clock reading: 1:44:29
